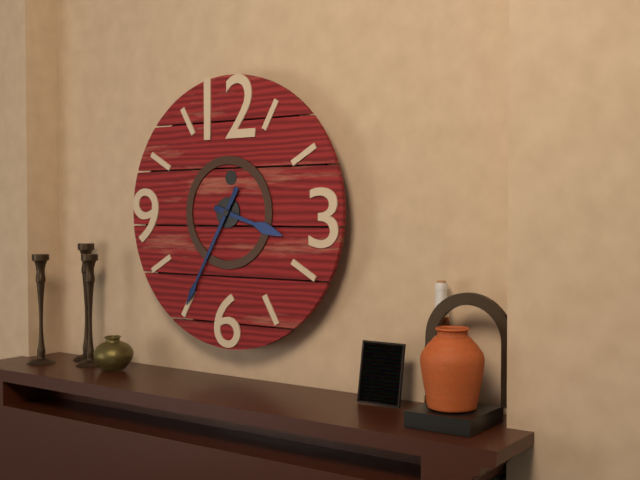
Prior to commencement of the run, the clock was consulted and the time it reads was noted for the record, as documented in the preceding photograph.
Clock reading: 3:35
